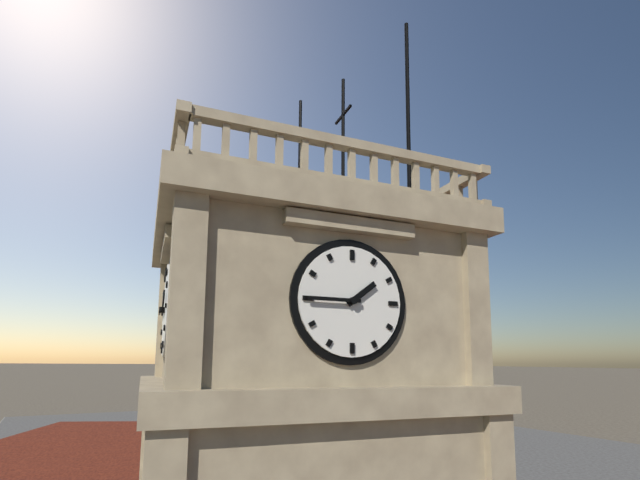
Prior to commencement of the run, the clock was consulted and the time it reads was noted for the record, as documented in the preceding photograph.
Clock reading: 1:45
